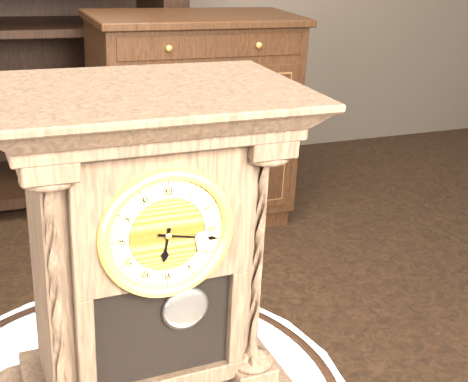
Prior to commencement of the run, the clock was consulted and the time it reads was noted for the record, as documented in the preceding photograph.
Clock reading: 6:17
